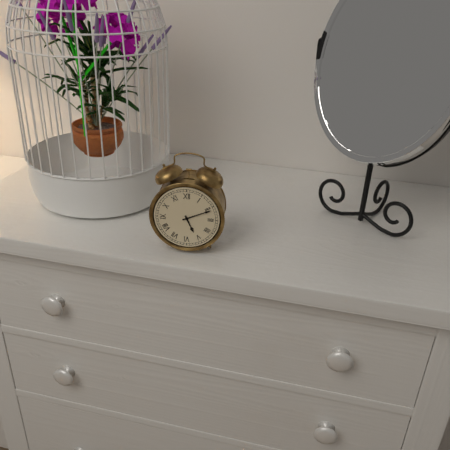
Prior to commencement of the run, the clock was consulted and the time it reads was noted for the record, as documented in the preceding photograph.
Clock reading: 5:11
